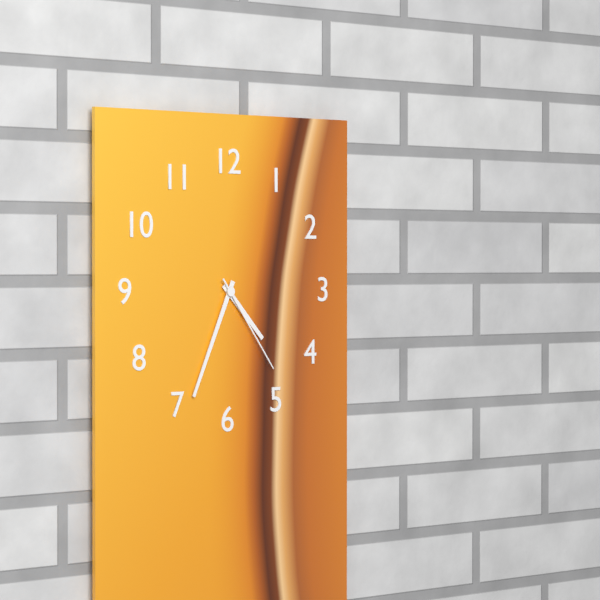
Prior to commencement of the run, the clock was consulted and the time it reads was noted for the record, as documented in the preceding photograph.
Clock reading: 4:34:24
